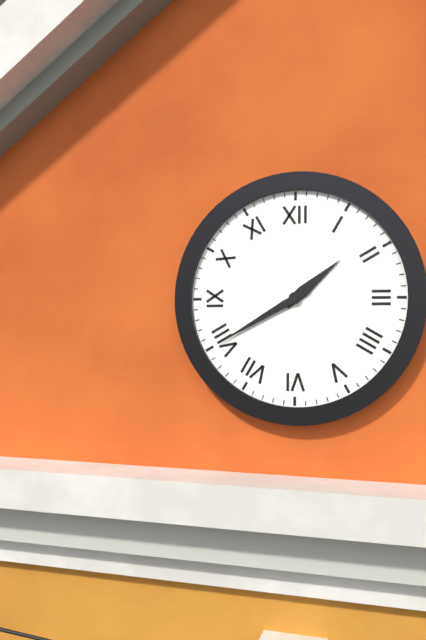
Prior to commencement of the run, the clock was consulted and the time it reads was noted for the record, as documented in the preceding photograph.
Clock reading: 1:40
